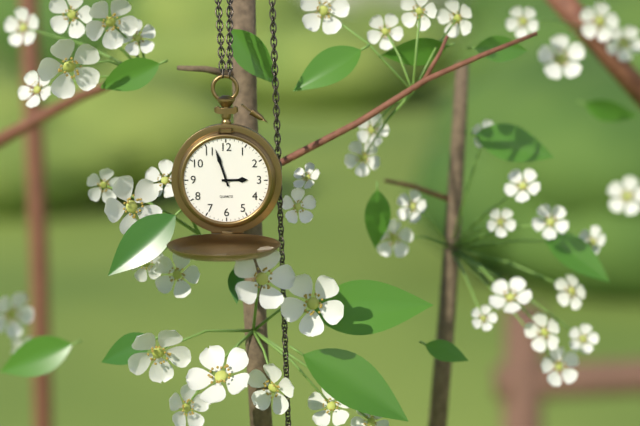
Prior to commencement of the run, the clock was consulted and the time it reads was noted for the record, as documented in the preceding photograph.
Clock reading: 2:57
